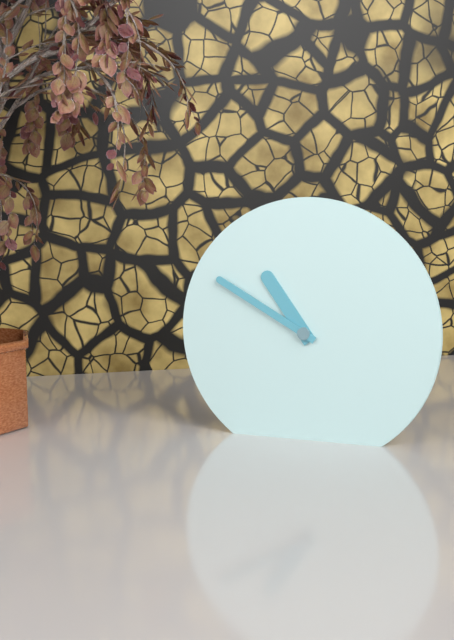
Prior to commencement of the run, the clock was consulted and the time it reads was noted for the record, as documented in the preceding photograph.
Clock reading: 10:50
